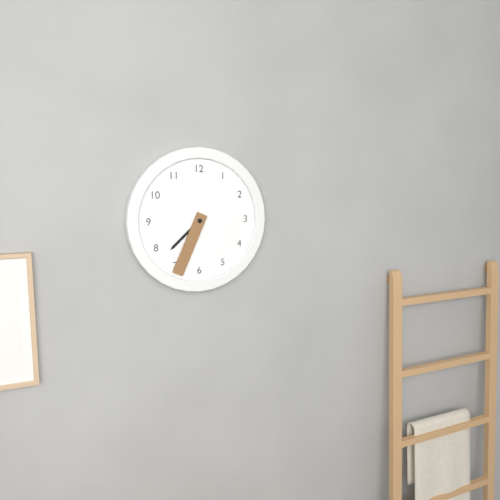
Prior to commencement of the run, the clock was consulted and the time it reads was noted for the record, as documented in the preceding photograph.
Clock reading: 7:34
